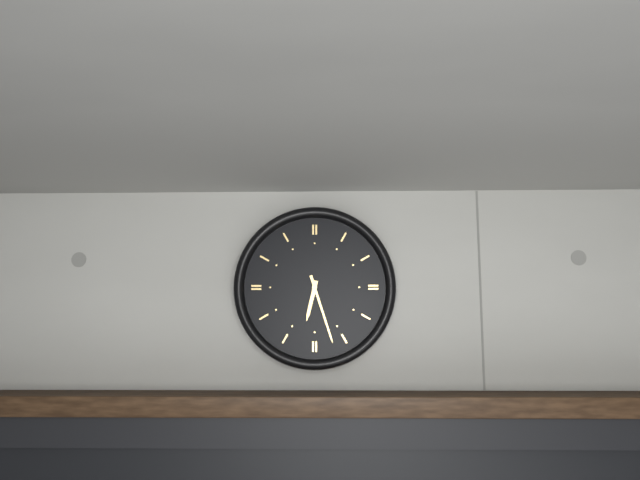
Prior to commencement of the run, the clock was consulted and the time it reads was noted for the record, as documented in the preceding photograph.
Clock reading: 6:27
